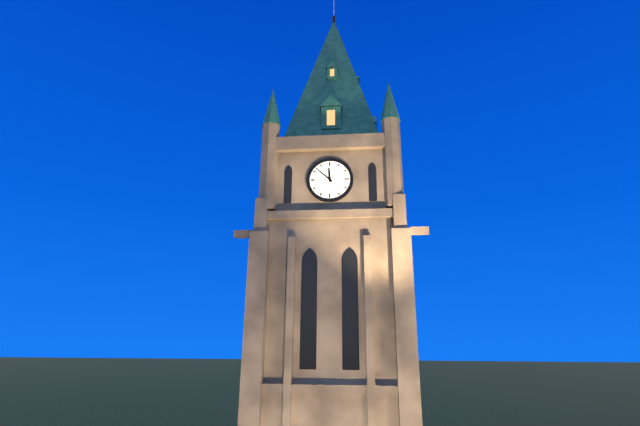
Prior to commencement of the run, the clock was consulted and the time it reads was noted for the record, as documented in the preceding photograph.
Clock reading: 11:52
